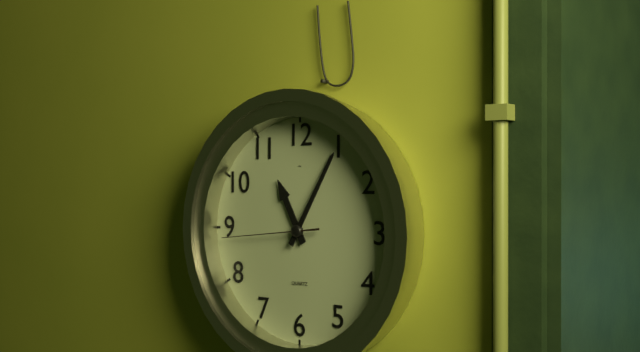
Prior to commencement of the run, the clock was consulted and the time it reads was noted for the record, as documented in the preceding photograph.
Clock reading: 11:05:44
